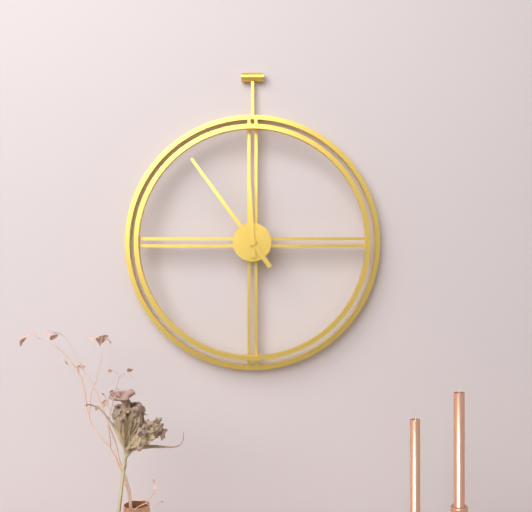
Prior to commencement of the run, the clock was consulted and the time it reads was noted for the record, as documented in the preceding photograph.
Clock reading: 11:54
